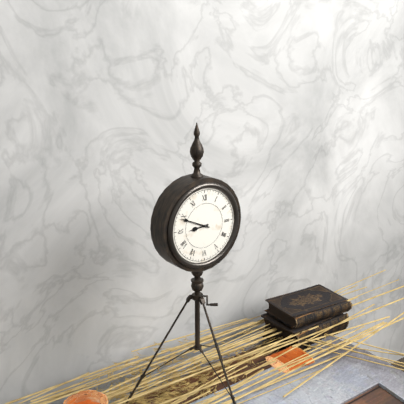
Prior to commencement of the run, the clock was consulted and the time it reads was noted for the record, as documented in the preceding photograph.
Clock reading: 8:49
